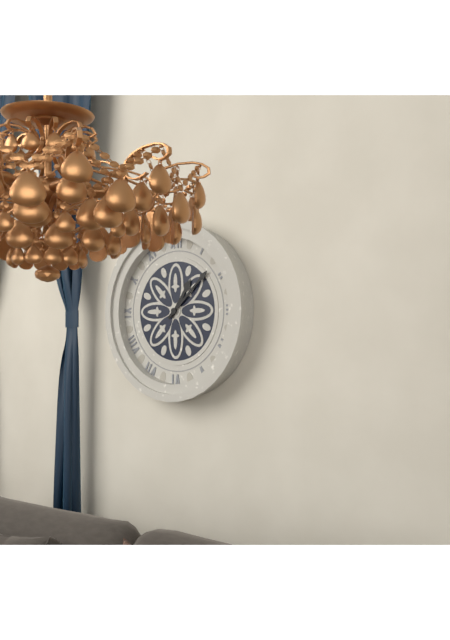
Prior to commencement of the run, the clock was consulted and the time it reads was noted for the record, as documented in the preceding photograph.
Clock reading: 1:08
